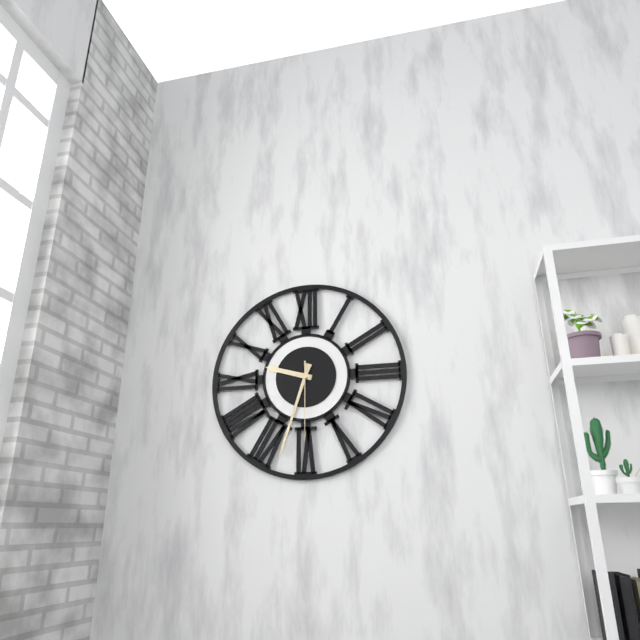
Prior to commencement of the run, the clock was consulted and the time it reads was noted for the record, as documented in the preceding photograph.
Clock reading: 9:33:30
